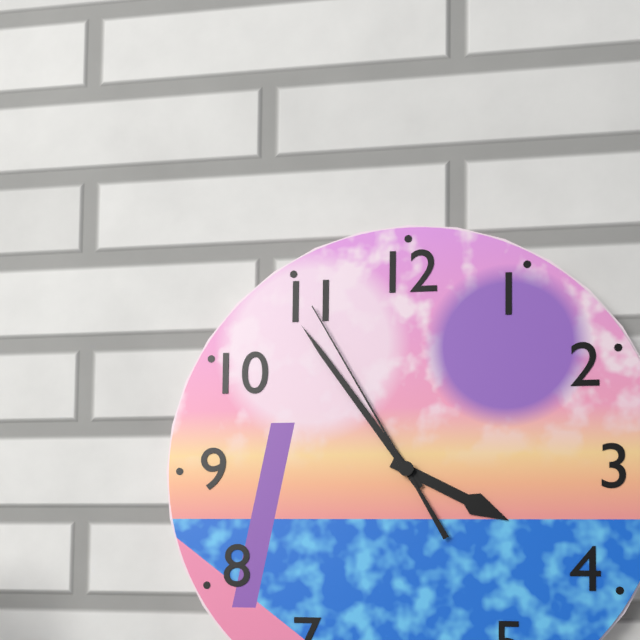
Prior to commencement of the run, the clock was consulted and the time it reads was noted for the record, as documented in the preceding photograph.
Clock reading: 3:54:55
